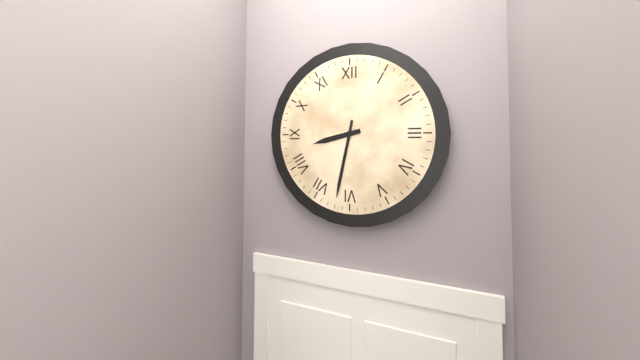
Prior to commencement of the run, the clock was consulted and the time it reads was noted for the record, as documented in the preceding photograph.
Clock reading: 8:32
